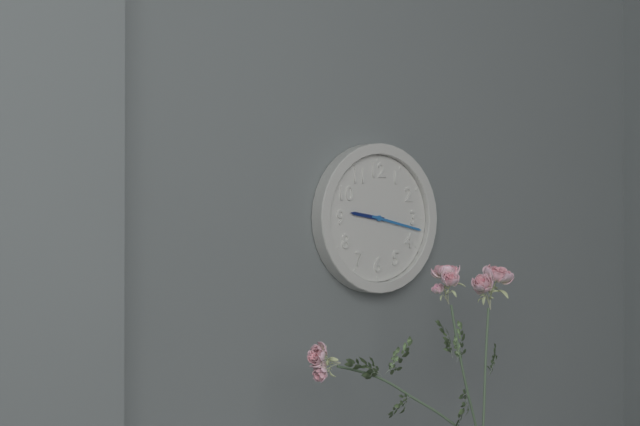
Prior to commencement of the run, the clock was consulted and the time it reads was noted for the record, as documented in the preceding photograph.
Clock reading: 9:17
